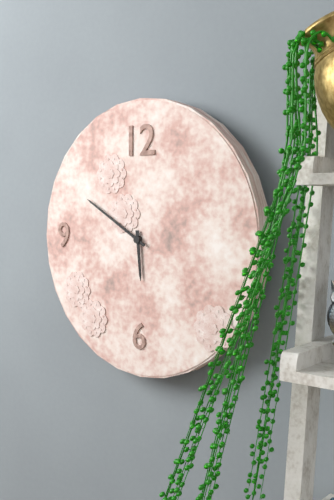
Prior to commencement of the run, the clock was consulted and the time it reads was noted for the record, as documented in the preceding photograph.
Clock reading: 5:50
